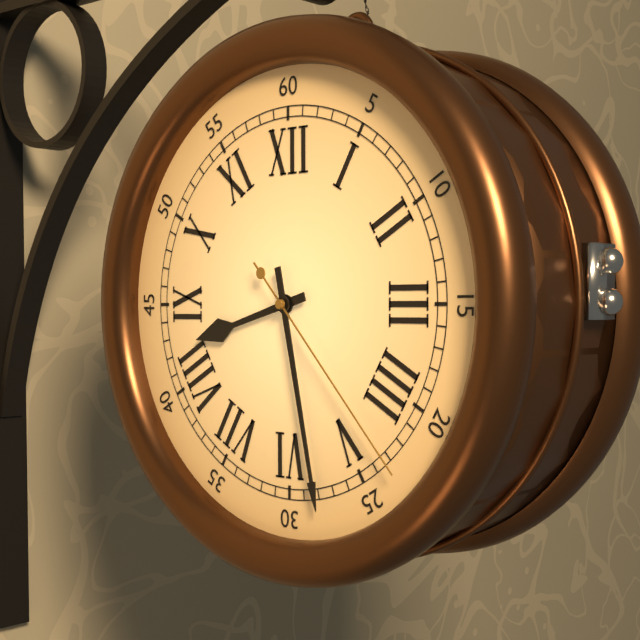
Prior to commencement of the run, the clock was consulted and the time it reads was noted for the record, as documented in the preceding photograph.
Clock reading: 8:28:23
